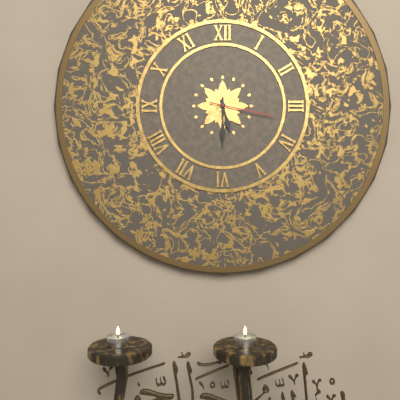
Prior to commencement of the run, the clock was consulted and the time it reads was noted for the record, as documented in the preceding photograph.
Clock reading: 5:30:17
